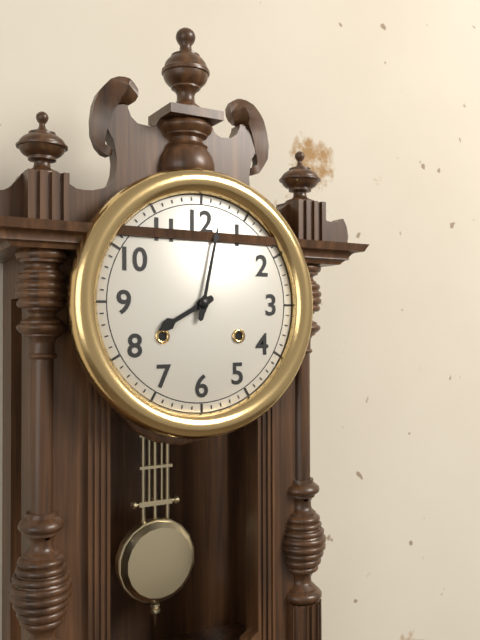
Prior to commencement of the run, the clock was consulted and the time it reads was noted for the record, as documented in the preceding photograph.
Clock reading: 8:02
